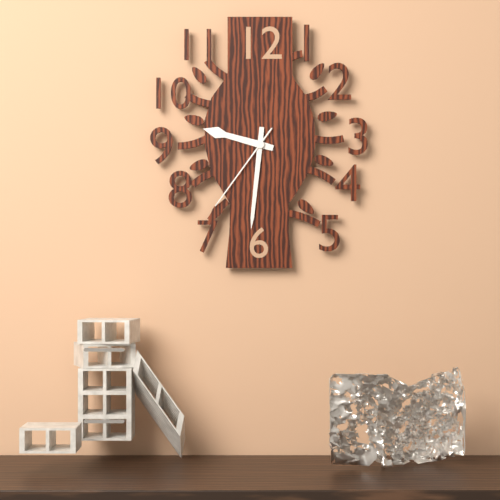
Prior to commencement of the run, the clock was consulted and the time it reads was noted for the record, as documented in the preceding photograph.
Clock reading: 9:31:36
